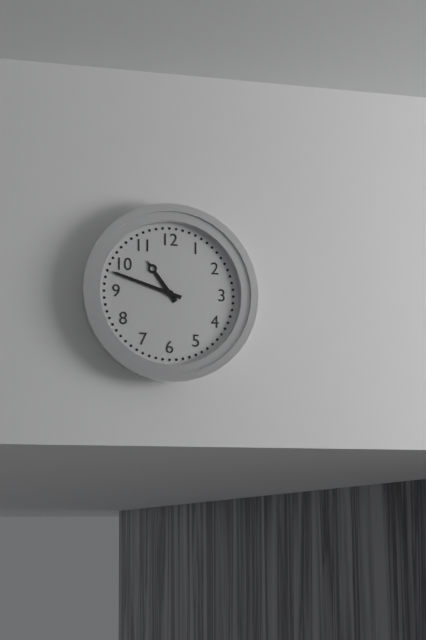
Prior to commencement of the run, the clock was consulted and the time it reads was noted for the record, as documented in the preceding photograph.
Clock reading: 10:48
